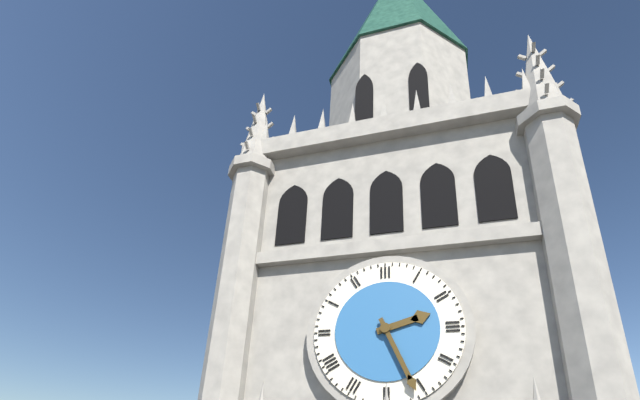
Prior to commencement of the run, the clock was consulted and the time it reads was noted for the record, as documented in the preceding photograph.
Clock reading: 2:26
